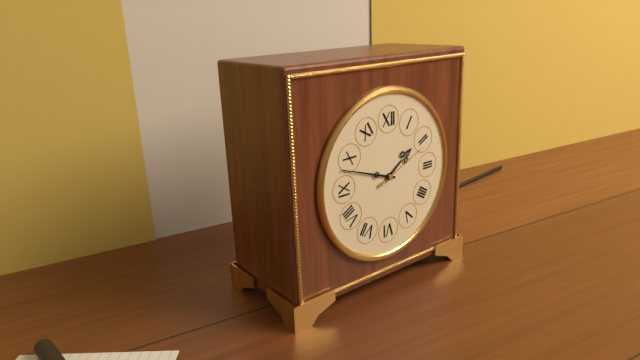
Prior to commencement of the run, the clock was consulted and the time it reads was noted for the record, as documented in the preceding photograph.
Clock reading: 1:48:11
